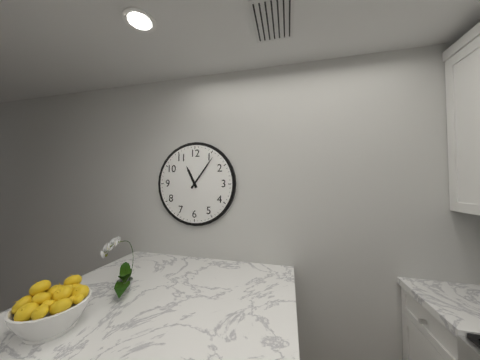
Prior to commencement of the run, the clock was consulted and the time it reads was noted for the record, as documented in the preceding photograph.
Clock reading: 11:06
